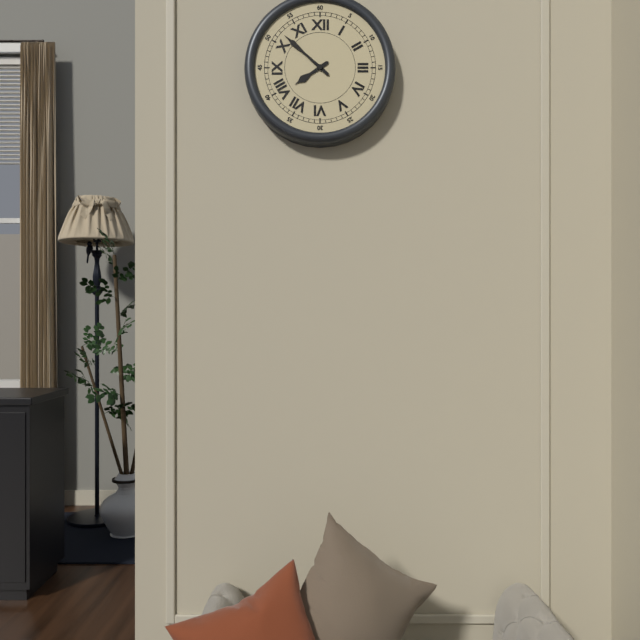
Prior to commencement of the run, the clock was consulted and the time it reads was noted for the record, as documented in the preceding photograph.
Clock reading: 7:52
